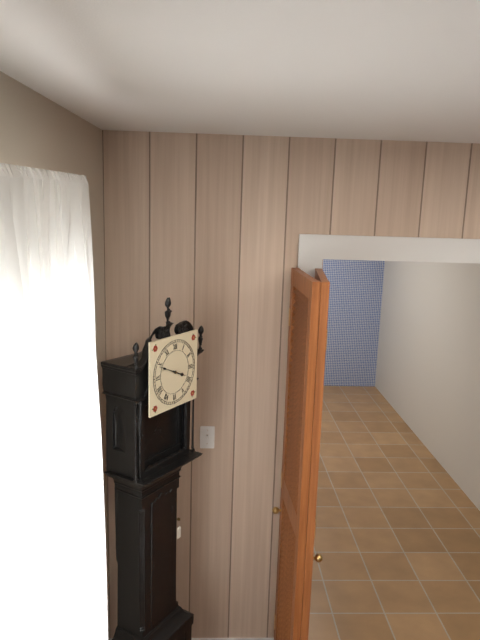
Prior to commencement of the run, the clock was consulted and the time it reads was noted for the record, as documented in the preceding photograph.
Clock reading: 3:49
